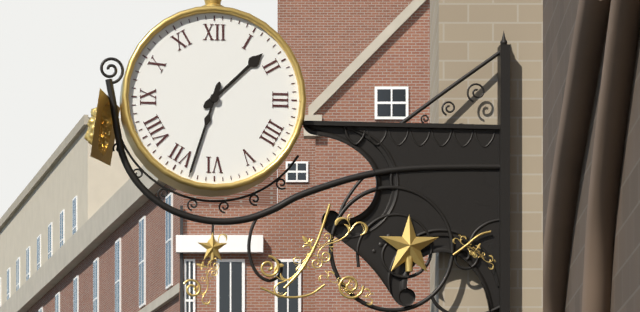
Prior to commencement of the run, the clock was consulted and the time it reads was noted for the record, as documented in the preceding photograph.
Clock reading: 1:33
